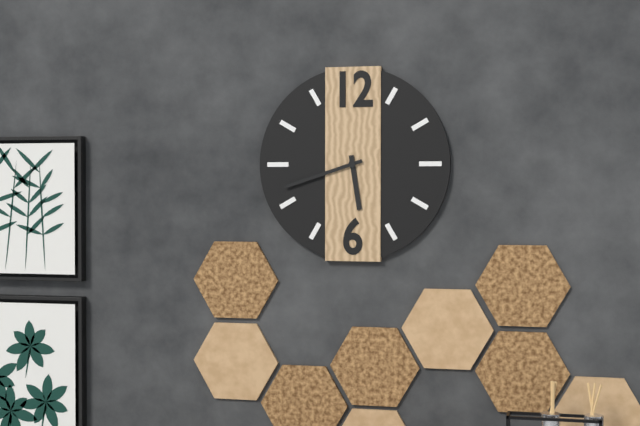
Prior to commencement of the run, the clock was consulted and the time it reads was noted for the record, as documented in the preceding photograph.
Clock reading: 5:42
